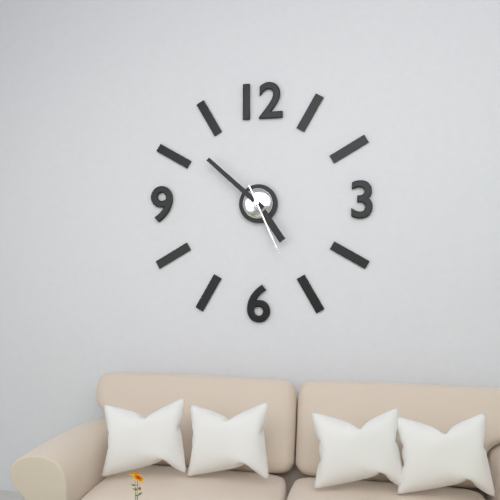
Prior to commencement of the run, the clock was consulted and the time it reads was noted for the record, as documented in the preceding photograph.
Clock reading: 4:52:26
